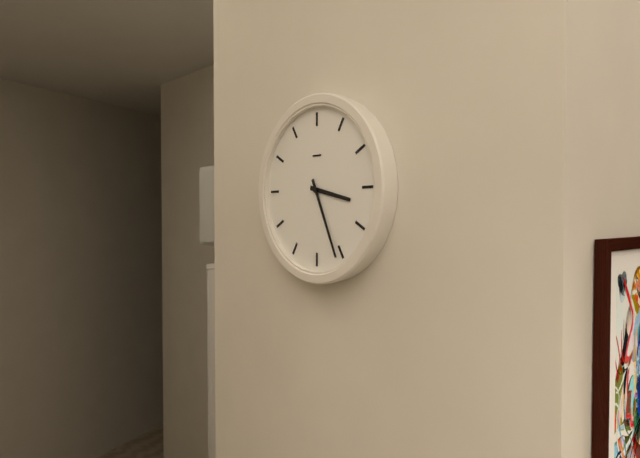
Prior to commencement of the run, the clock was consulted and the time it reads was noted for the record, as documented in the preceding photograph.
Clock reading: 3:26
